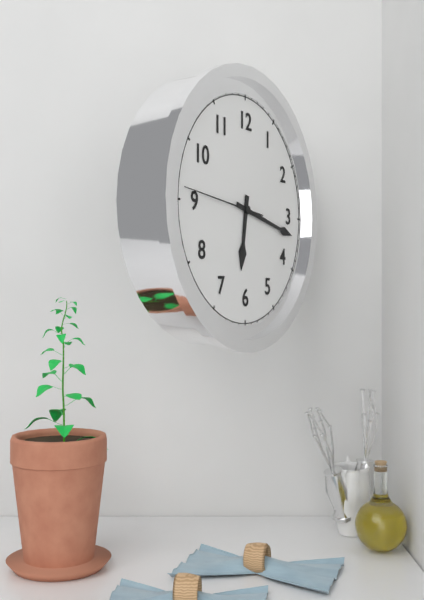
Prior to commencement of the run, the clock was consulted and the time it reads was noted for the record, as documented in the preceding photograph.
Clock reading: 6:17:46
